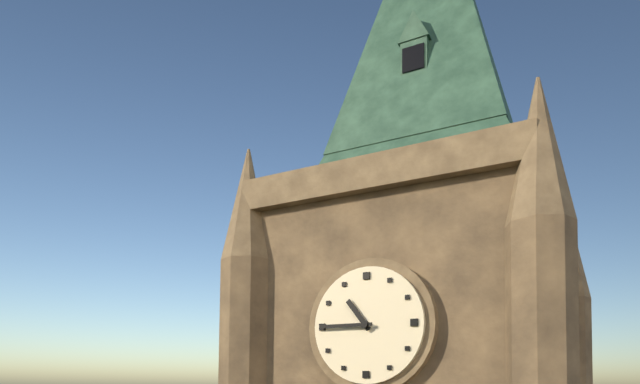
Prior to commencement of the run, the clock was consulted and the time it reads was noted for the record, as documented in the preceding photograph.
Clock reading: 10:45
